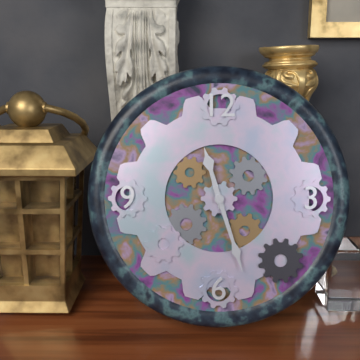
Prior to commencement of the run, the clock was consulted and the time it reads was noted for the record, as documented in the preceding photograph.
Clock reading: 11:27
